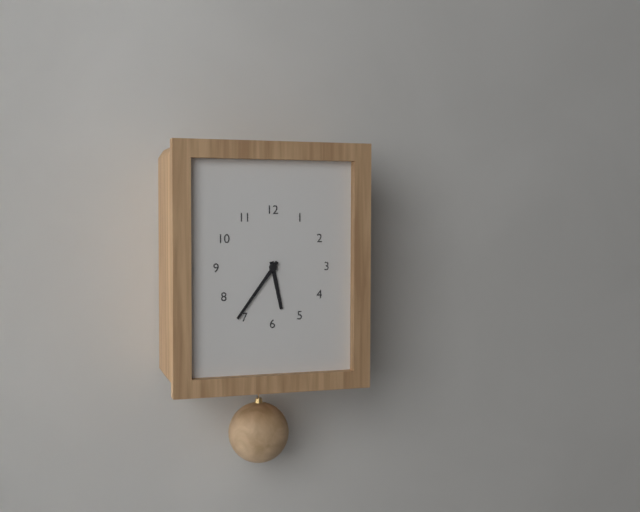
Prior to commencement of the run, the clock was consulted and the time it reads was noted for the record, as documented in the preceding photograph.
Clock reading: 5:36
